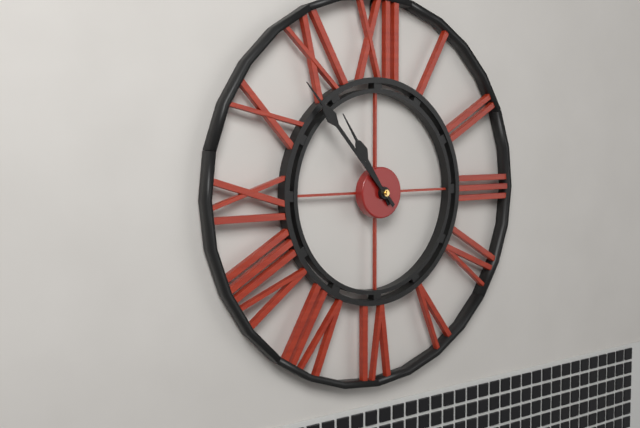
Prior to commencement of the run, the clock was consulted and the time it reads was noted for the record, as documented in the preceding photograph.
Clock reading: 10:53
